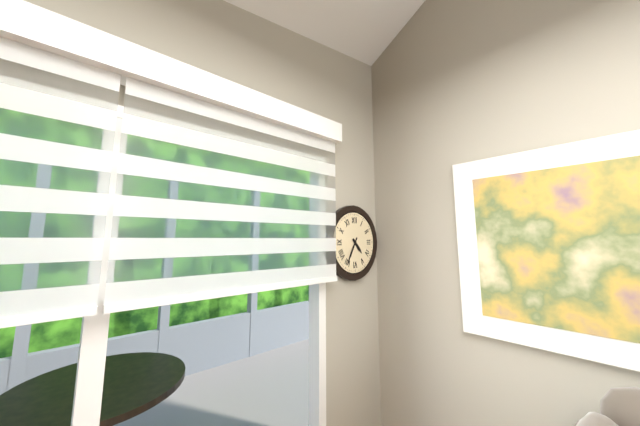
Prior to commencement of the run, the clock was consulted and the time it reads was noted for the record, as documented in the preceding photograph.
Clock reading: 4:35
